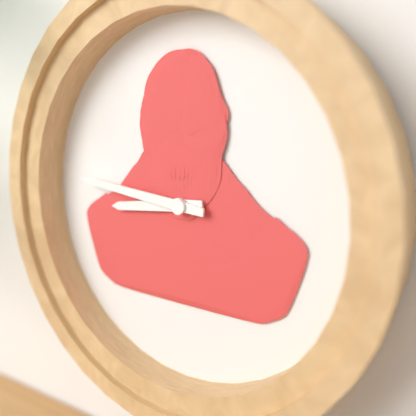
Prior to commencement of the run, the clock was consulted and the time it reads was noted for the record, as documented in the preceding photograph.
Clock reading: 8:46
